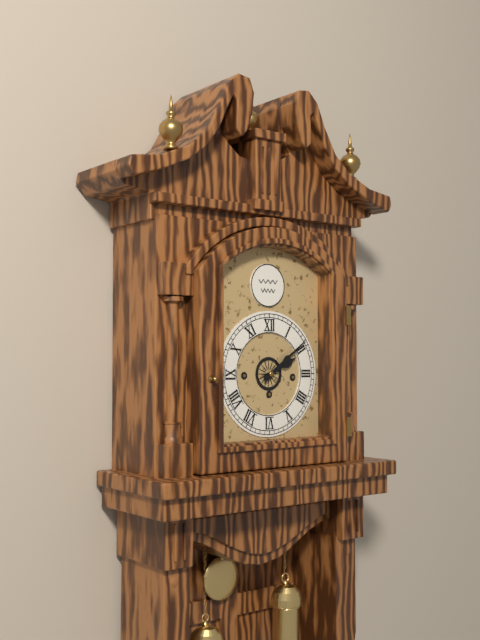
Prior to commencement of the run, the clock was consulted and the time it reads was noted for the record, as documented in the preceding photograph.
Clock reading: 2:09
